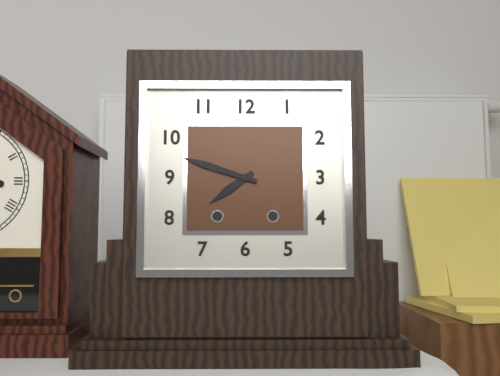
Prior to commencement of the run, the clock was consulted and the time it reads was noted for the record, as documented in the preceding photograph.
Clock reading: 7:48
